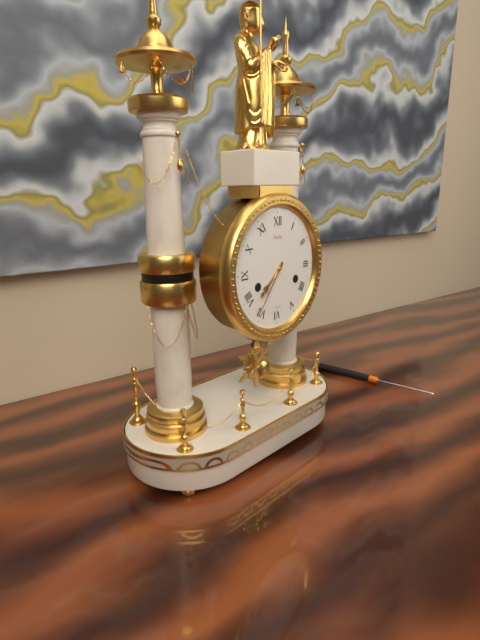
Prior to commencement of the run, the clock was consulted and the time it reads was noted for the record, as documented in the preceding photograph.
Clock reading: 7:36
